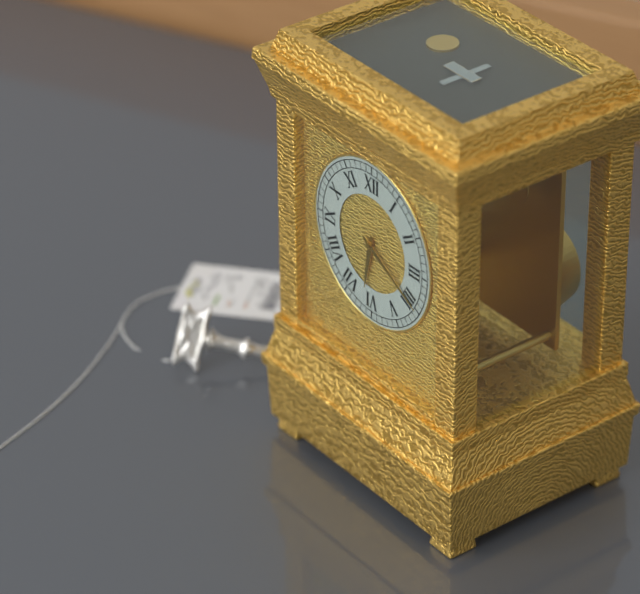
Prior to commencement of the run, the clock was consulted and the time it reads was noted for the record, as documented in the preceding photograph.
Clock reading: 6:20
